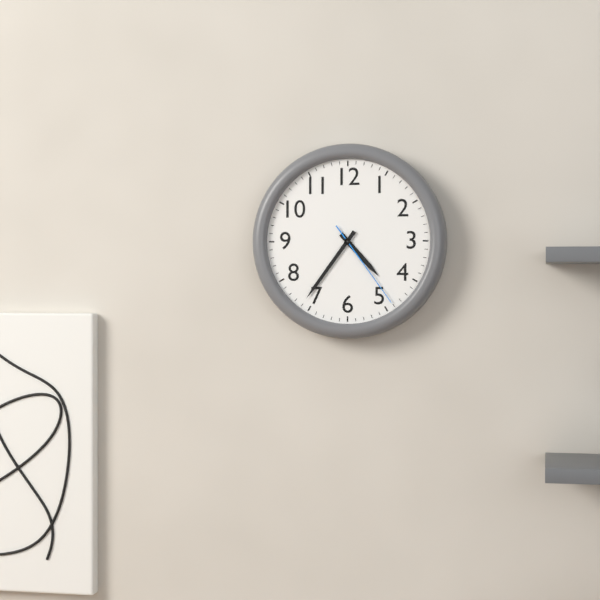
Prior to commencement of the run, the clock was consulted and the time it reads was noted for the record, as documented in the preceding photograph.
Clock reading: 4:36:24
